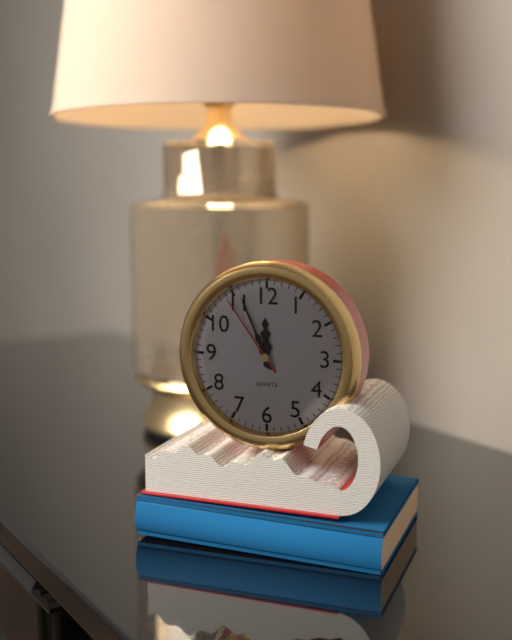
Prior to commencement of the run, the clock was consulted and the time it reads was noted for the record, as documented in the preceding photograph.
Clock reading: 11:56:54
